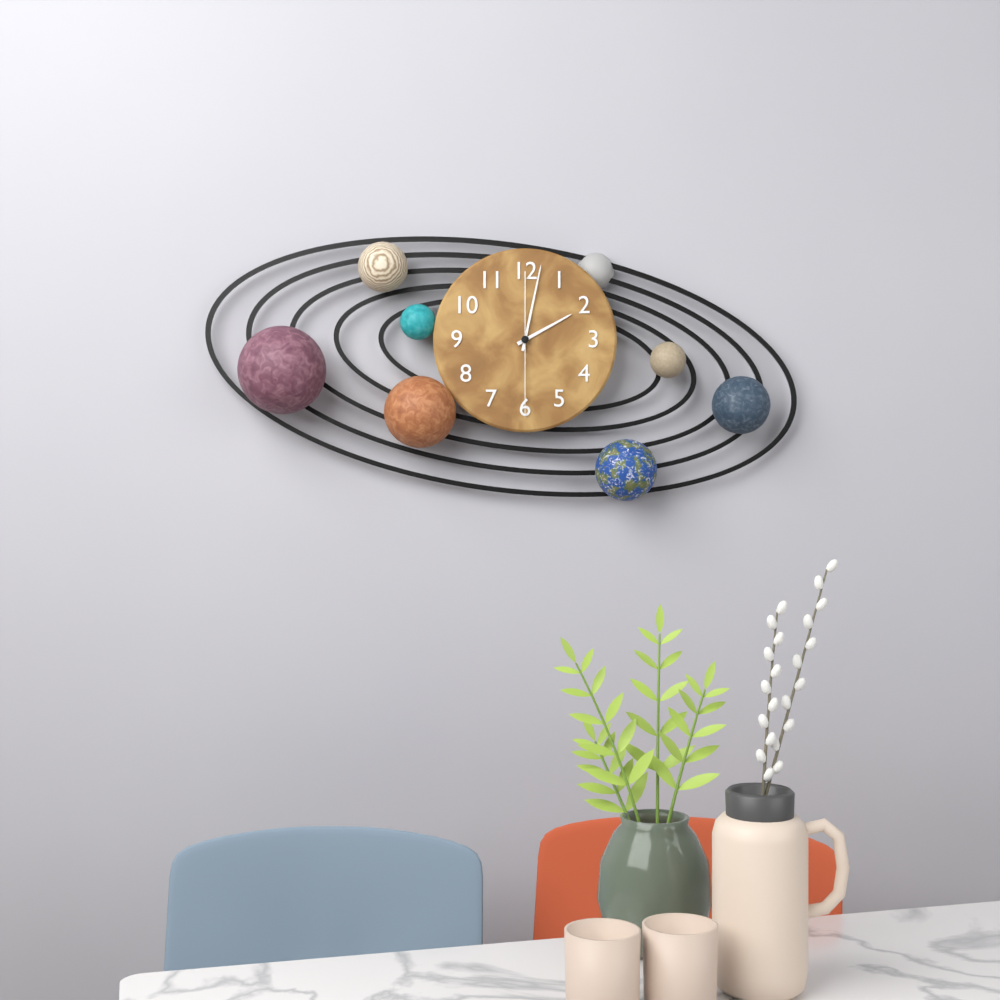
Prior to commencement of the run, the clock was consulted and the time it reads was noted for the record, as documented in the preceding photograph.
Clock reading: 2:02:30
